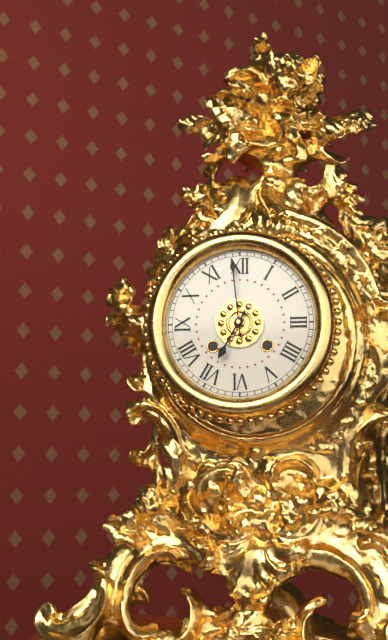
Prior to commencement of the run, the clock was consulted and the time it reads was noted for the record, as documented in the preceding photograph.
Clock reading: 6:59
